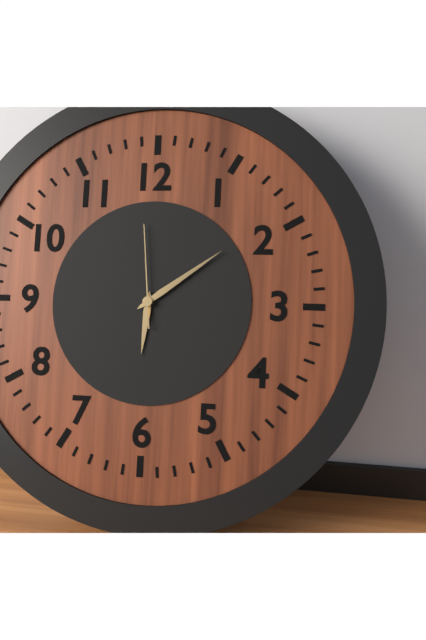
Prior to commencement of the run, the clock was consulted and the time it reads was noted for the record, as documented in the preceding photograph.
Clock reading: 6:09:59
